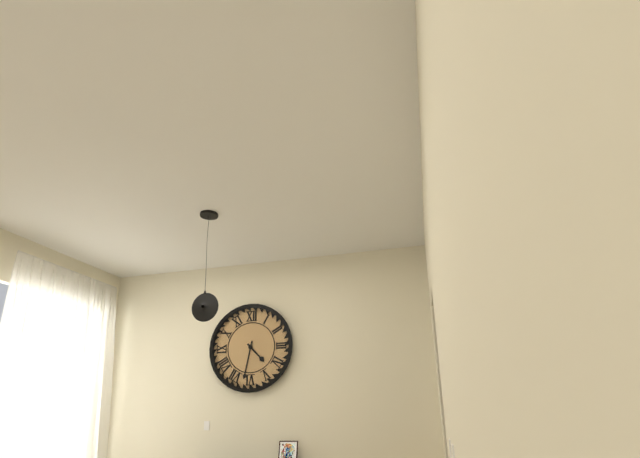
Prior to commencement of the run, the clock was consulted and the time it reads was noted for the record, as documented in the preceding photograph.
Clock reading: 4:32
